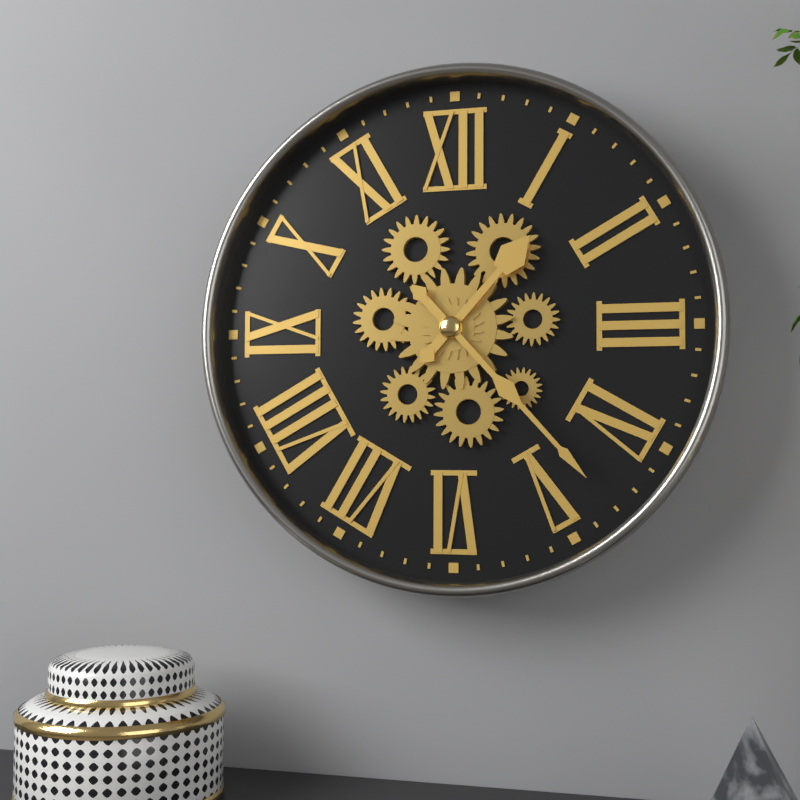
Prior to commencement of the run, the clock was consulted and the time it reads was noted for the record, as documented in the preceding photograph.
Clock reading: 1:23
